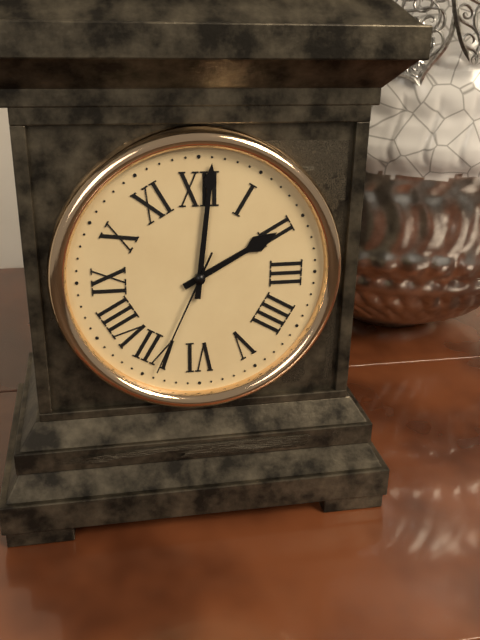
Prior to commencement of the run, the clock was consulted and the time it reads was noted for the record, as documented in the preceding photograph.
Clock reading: 2:01:34
